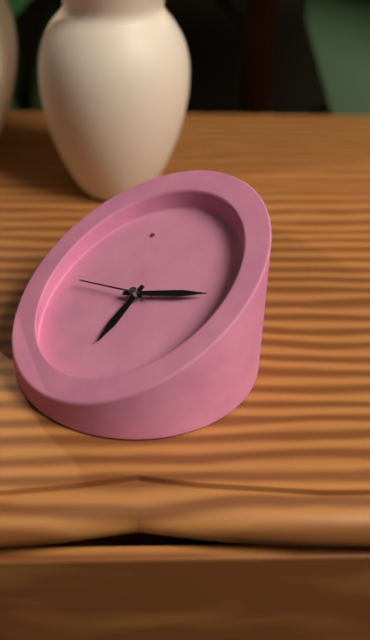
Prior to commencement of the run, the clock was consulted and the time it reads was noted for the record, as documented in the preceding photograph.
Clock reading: 8:23:55
